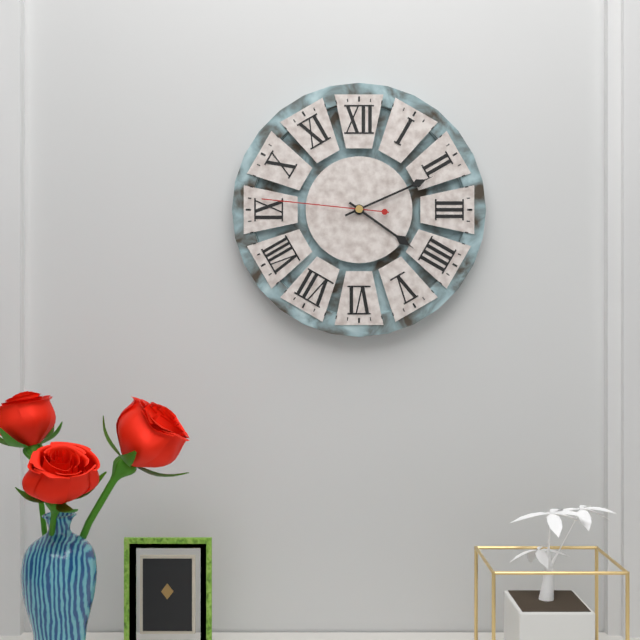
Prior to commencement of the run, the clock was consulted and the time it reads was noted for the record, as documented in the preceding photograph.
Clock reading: 4:11:46
